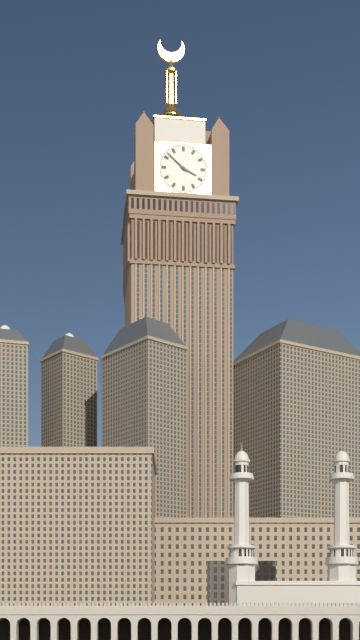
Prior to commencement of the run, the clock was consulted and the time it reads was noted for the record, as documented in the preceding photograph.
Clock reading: 3:52
